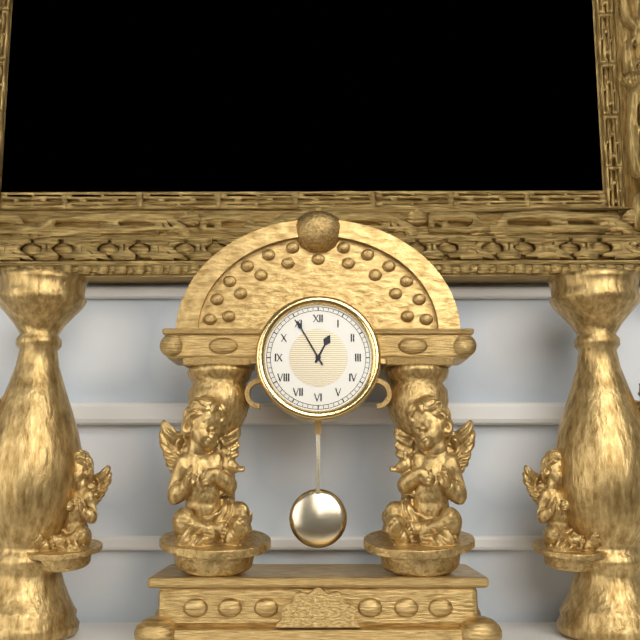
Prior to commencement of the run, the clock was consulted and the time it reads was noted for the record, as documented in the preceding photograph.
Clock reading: 12:55
